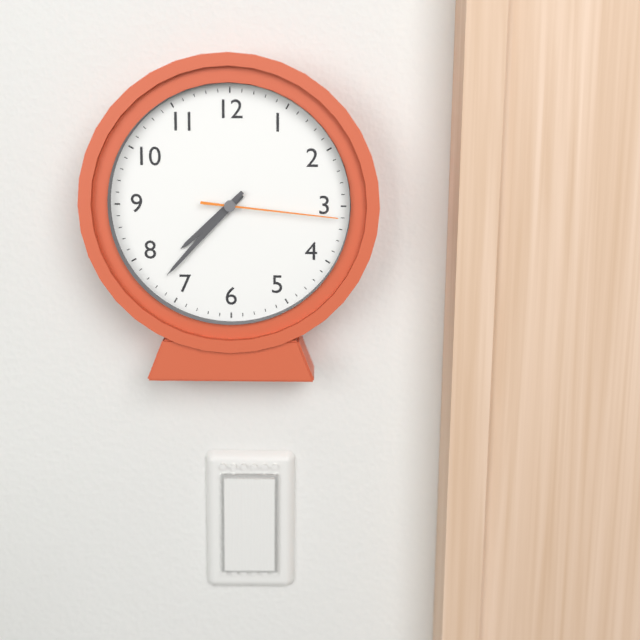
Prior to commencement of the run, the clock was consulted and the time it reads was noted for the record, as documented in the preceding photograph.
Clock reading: 7:37:16
